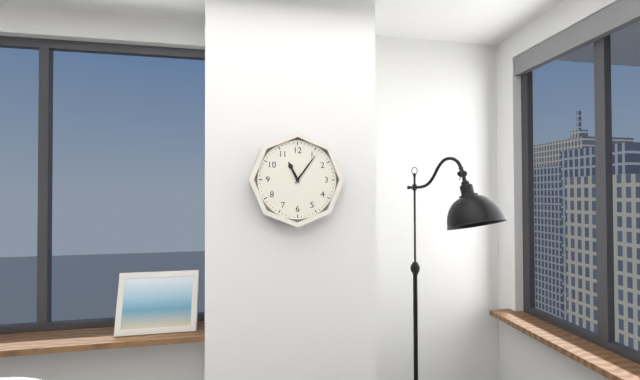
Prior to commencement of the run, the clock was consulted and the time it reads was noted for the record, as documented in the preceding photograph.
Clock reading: 11:06
